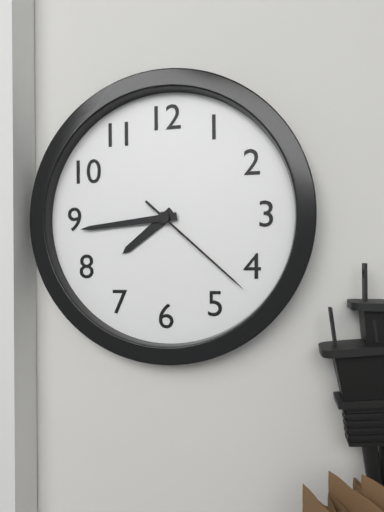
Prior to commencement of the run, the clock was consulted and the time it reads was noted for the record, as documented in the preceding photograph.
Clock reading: 7:44:22
